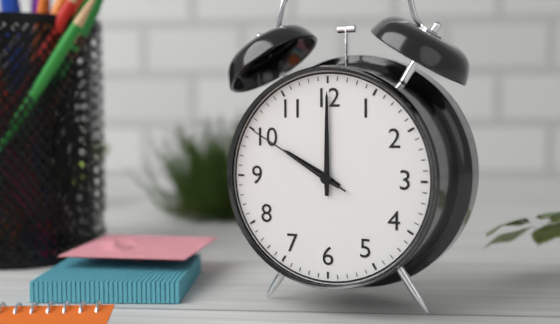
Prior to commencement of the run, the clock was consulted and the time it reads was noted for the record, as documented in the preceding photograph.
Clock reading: 10:00:50
